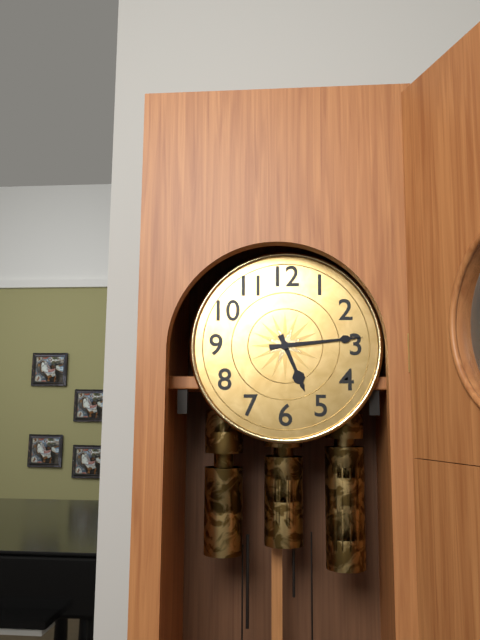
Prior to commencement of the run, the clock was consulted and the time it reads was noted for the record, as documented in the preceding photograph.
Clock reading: 5:14
